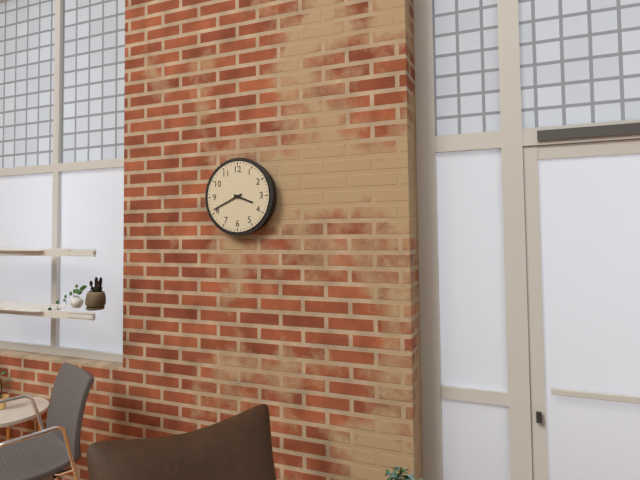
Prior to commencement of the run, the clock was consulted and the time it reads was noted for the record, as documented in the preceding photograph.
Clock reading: 3:41
